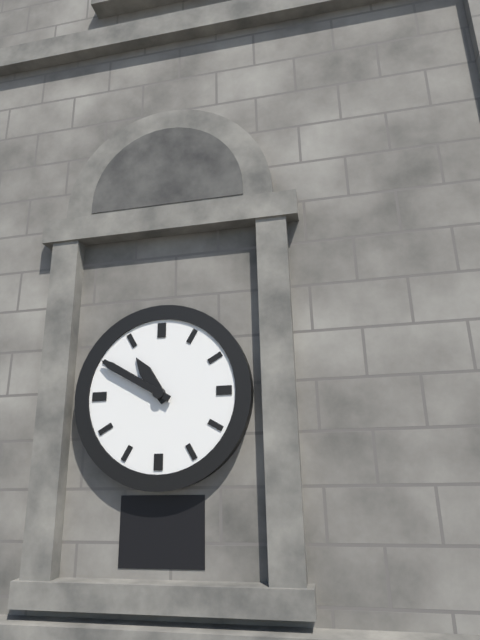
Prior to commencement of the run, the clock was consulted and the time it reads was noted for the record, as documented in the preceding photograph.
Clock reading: 10:50
